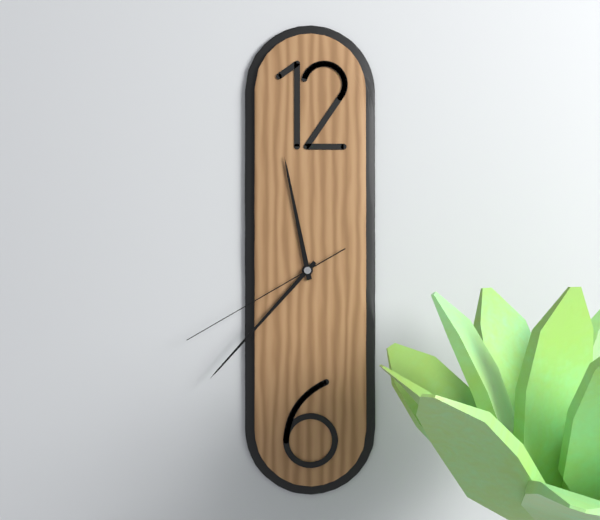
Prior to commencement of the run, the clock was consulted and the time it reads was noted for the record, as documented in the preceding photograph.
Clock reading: 11:37:40
